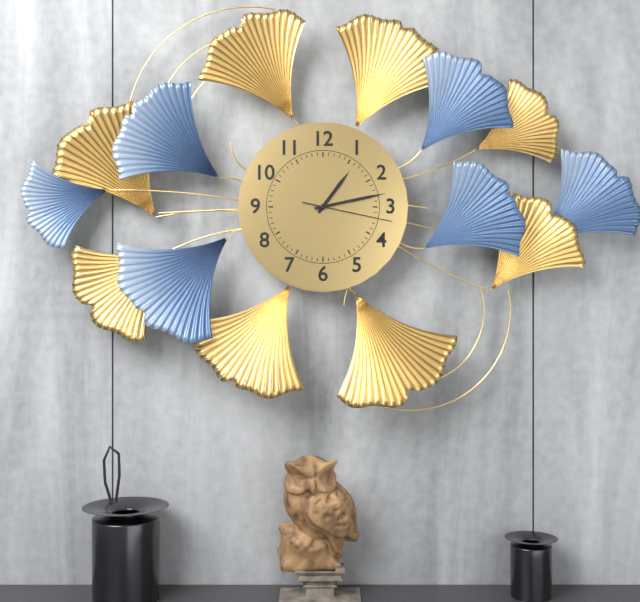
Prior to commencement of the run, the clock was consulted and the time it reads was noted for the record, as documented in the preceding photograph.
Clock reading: 1:13:17
